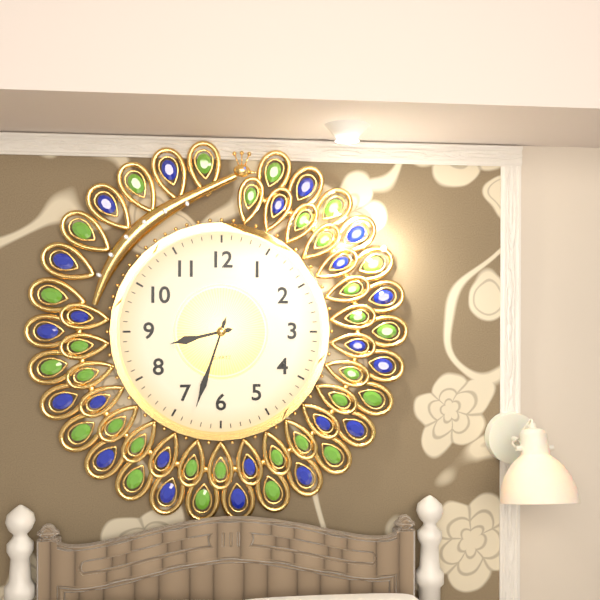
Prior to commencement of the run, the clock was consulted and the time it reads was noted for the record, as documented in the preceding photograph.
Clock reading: 8:33
